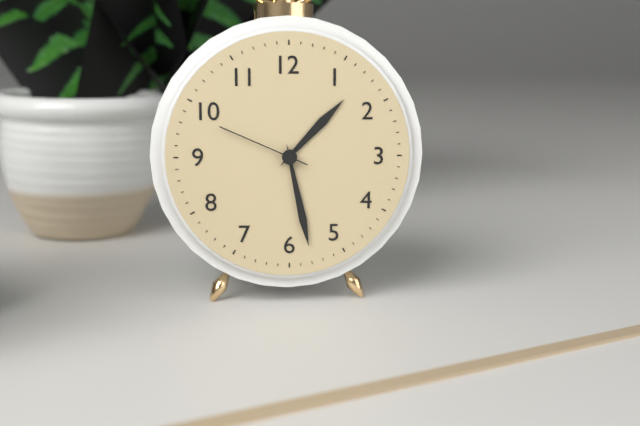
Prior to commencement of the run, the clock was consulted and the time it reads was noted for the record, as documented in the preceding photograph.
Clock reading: 1:28:49
